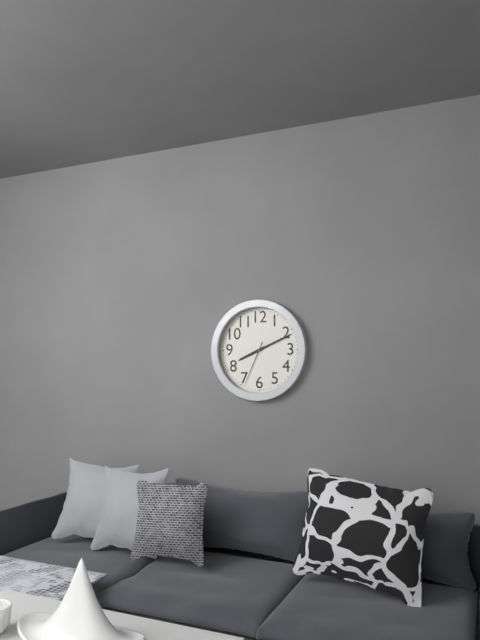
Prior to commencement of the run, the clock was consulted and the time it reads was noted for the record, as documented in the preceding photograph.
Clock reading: 8:11
